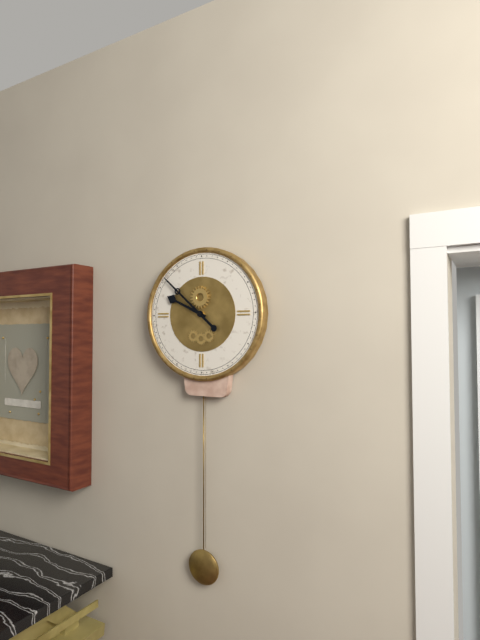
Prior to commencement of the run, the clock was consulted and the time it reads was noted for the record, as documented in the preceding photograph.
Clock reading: 9:52
